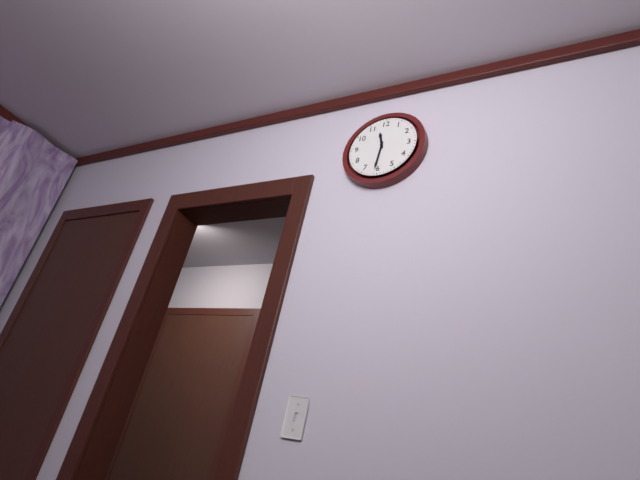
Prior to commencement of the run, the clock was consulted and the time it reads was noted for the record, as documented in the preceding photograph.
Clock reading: 11:31
